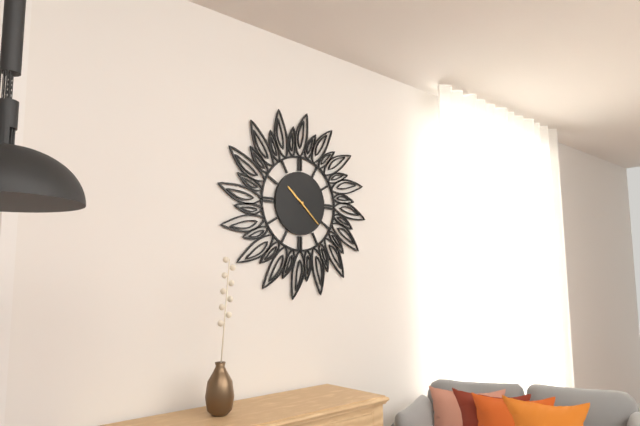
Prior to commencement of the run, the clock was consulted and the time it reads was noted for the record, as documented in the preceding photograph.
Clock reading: 10:22
